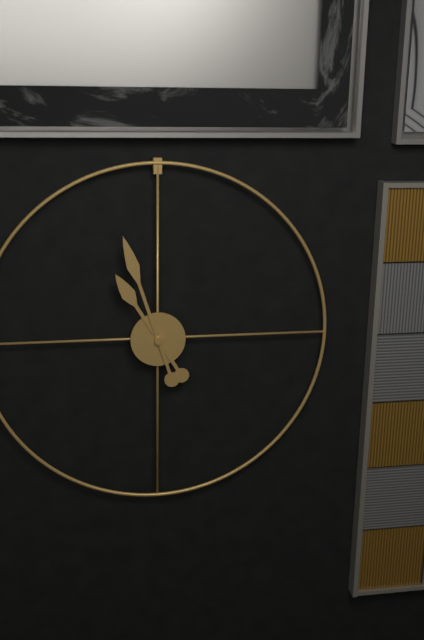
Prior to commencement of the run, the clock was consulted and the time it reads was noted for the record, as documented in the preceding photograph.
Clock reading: 10:57
